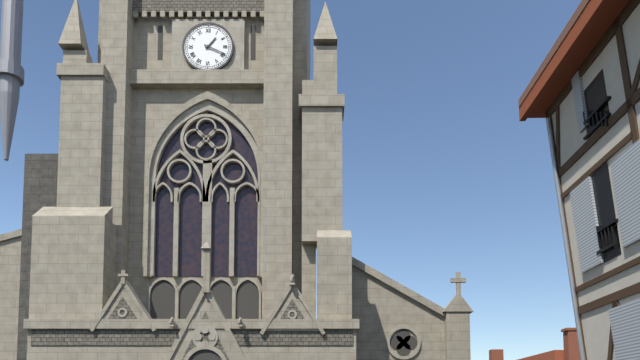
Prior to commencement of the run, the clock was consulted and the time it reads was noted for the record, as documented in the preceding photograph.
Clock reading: 1:19
